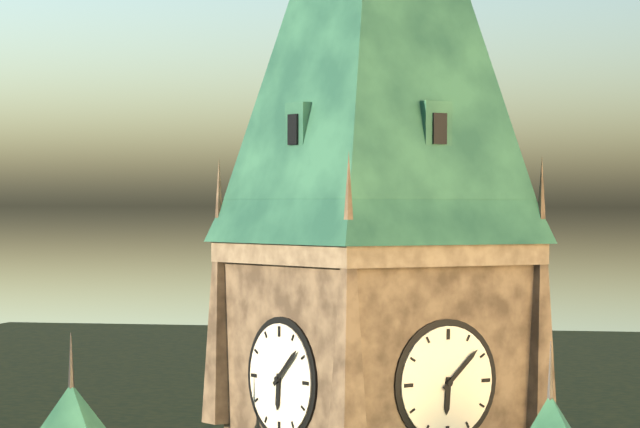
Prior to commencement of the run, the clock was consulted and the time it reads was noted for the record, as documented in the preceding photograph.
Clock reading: 6:08
